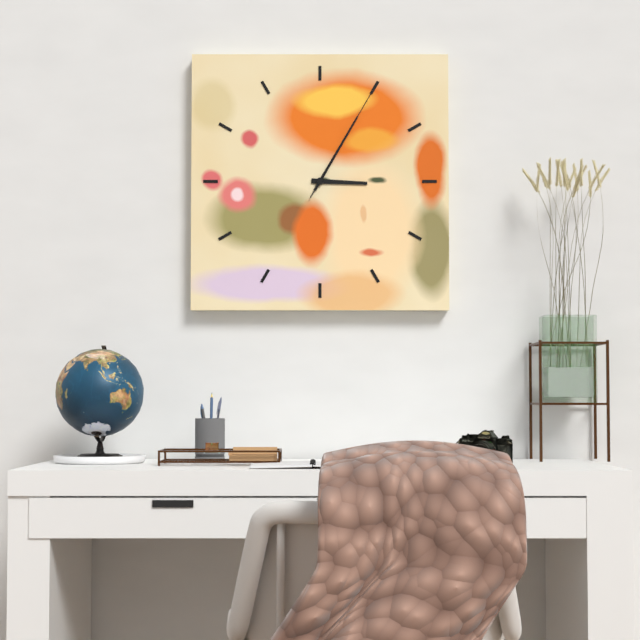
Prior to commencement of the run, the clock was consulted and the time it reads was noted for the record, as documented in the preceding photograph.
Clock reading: 3:05:05
